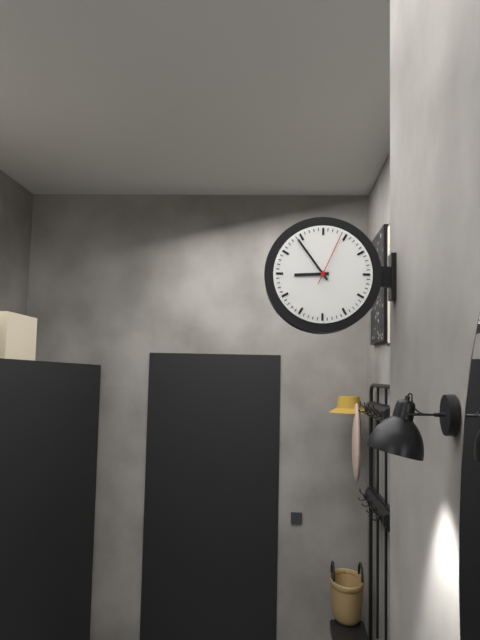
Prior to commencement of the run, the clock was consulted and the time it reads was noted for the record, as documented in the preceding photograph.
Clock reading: 8:54:04
